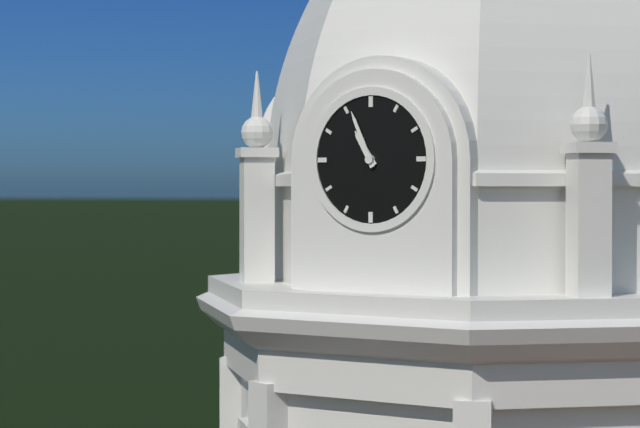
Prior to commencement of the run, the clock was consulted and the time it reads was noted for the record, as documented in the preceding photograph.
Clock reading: 10:56
